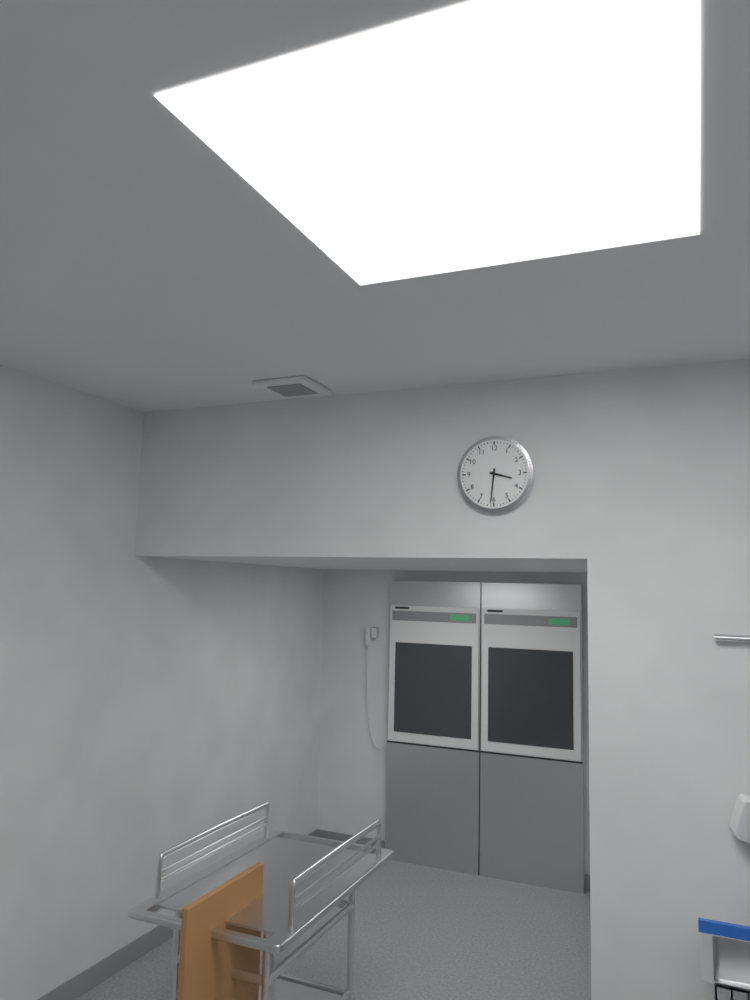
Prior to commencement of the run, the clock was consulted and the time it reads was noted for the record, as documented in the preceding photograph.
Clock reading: 3:31
